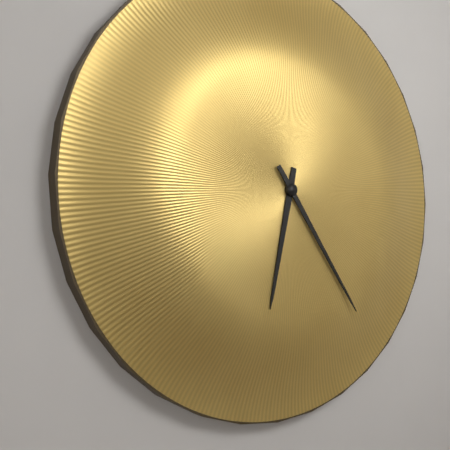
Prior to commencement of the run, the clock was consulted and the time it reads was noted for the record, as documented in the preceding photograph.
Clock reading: 6:24
